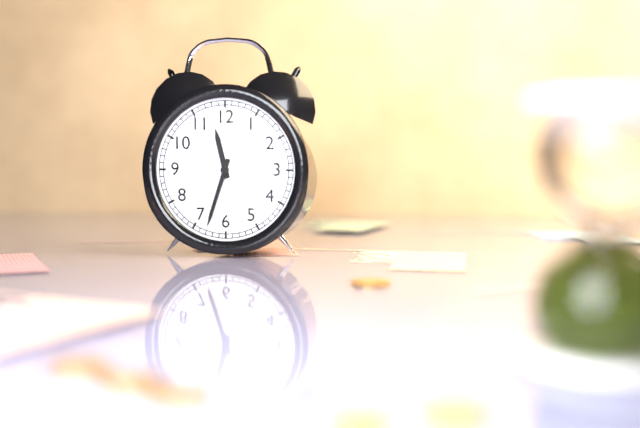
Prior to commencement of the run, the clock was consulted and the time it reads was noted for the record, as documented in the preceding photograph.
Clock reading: 11:33
